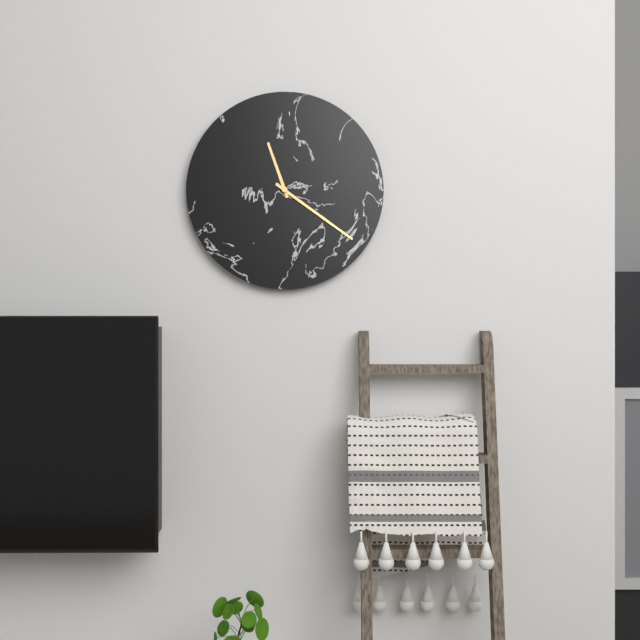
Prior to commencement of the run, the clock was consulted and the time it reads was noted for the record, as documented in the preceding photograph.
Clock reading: 11:21
